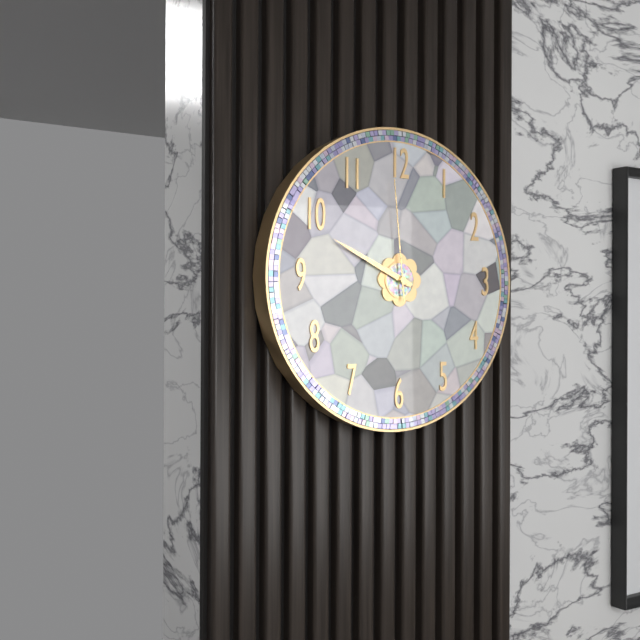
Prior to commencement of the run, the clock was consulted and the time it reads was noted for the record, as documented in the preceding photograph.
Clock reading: 9:49:59
